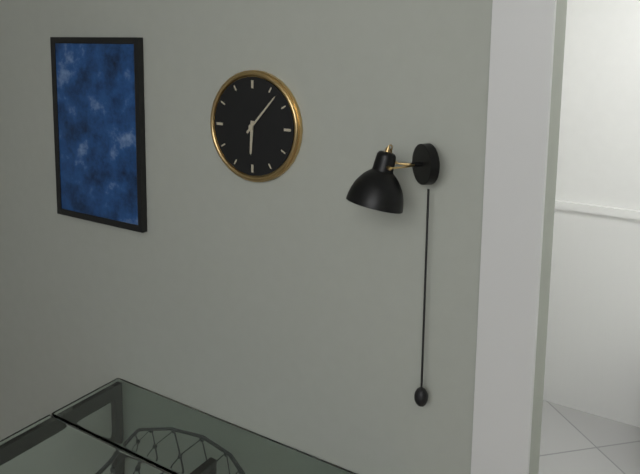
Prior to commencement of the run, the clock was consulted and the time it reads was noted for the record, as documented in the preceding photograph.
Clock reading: 6:07
